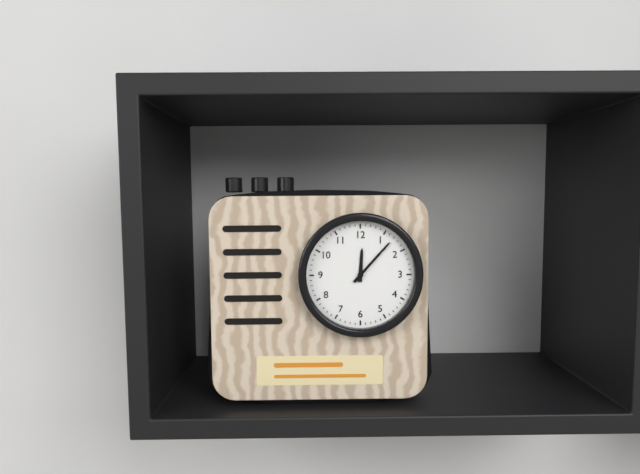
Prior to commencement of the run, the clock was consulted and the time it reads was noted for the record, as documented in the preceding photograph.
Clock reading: 12:07
